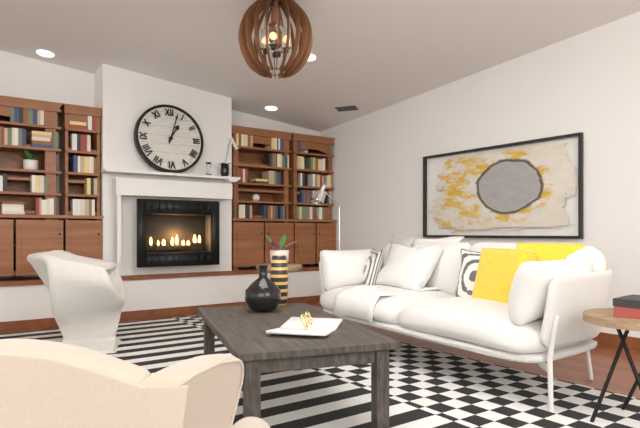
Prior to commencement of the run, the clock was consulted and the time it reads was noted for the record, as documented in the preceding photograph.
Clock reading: 1:03
